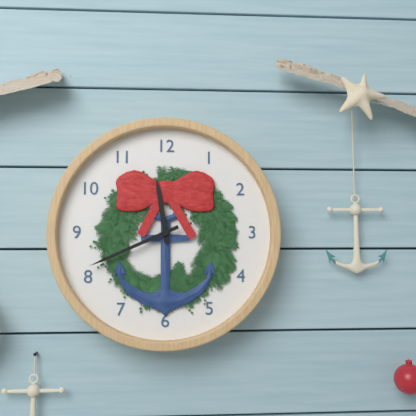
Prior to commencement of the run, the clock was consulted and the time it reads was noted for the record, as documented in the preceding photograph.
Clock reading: 11:41
